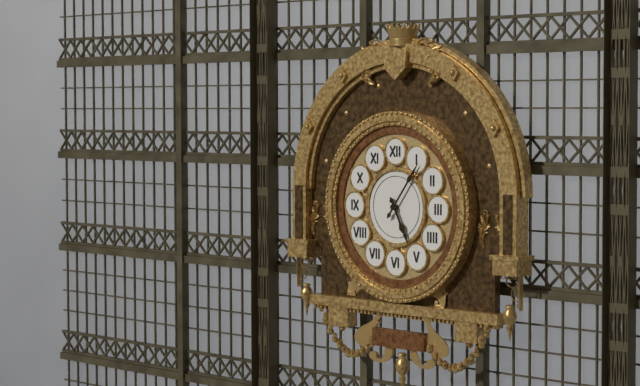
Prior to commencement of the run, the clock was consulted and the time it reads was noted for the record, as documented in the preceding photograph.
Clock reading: 5:06
